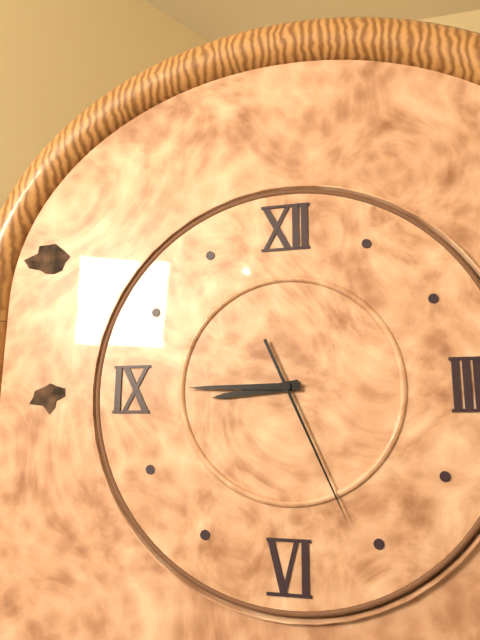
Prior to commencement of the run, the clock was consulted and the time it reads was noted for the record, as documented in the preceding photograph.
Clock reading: 8:45:26
